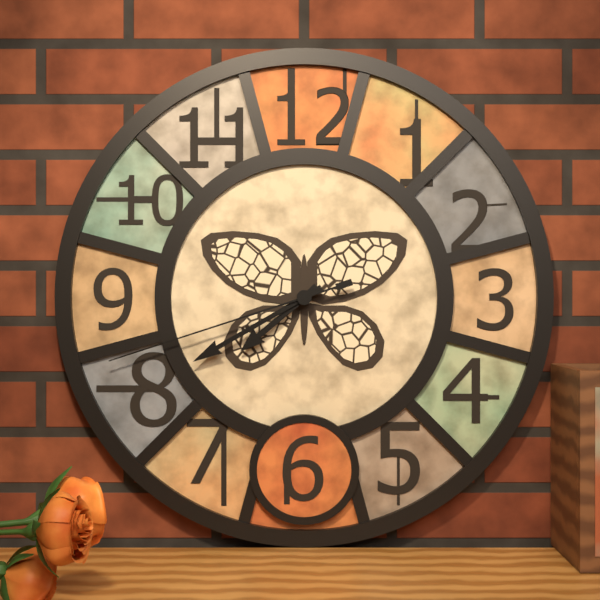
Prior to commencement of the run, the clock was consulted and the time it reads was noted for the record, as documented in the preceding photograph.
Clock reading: 7:40:42
